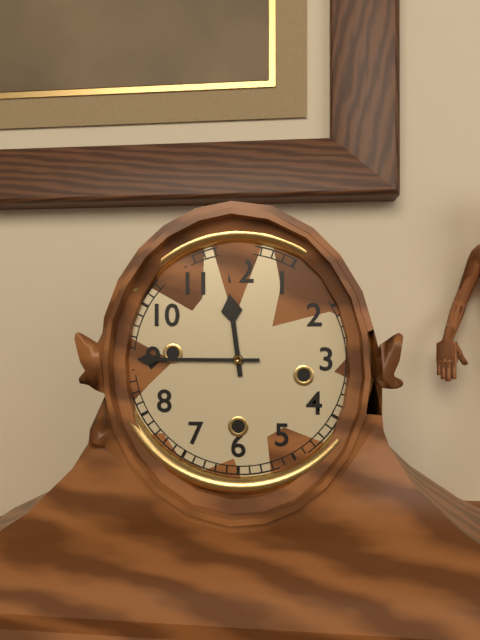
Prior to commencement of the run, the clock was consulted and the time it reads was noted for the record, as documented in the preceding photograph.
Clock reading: 11:45
